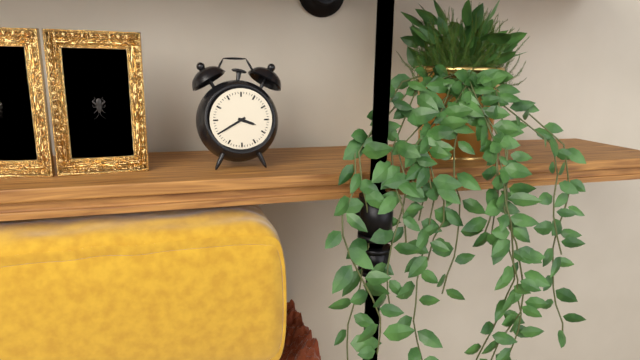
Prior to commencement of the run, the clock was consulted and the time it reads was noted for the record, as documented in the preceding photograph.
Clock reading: 3:40
